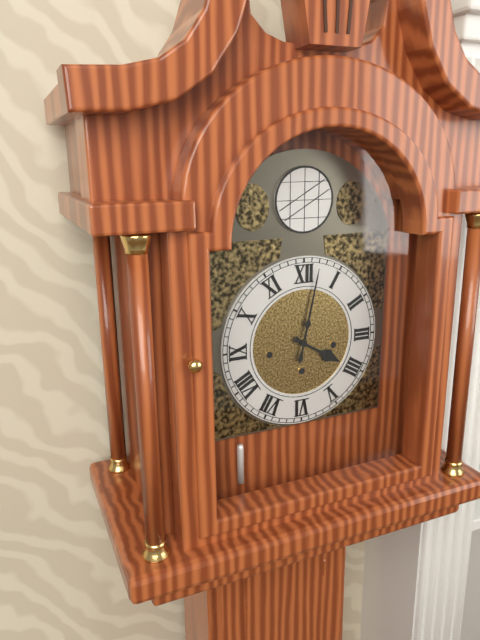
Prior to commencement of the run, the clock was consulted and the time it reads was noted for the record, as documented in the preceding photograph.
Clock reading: 4:02
